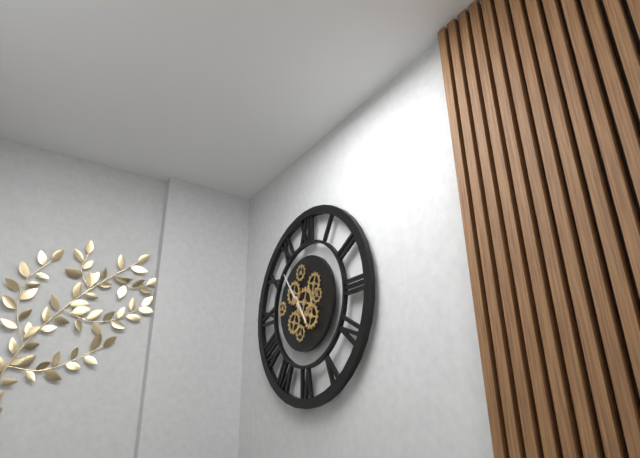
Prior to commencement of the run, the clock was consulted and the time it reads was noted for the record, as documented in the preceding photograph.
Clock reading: 4:54
